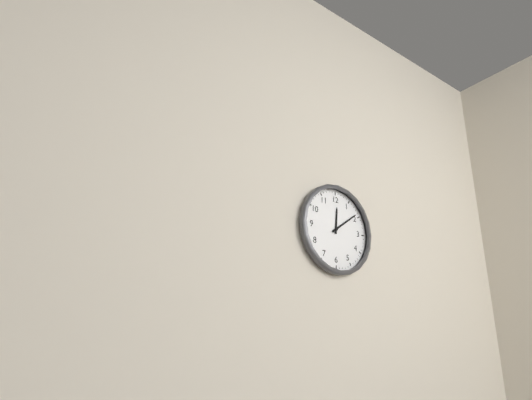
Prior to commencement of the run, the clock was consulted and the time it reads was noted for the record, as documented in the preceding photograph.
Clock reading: 12:09
